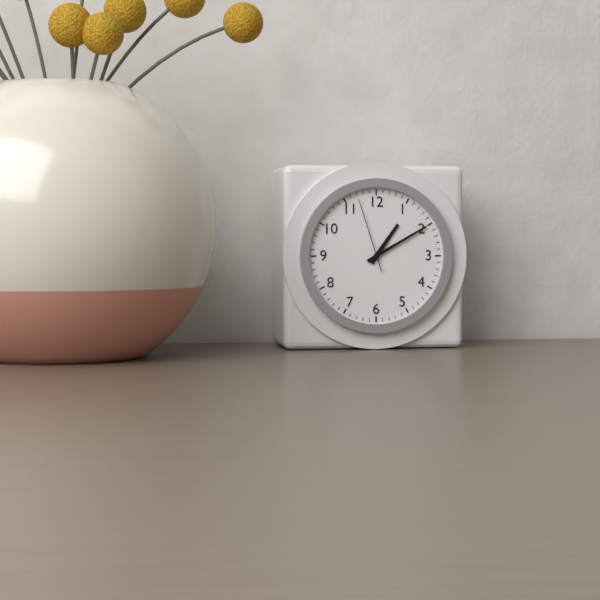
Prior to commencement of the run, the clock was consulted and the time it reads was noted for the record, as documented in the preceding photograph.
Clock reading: 1:10:57
